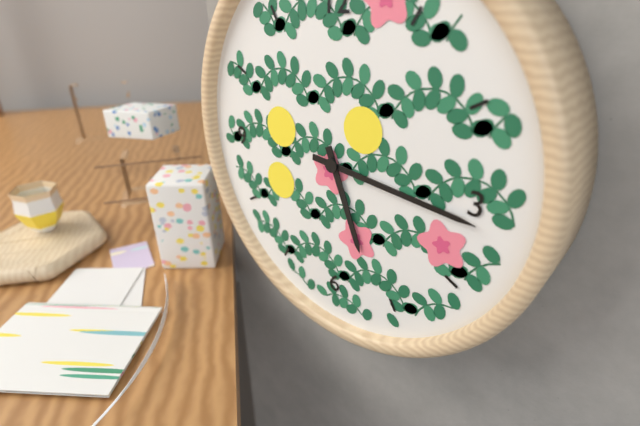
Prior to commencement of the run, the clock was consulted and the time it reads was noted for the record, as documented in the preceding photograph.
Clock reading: 5:16
